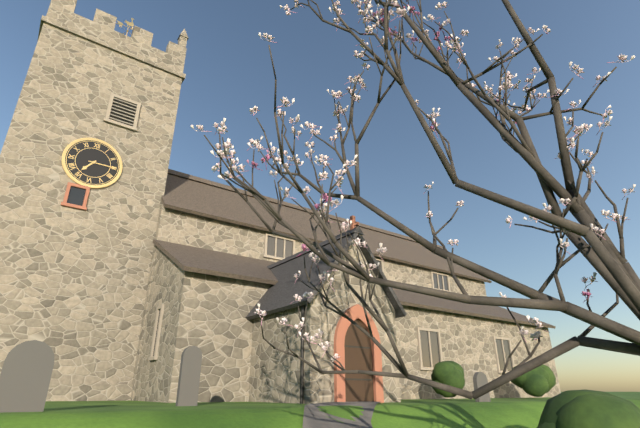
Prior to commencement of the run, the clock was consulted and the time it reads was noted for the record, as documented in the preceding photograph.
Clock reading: 7:15
